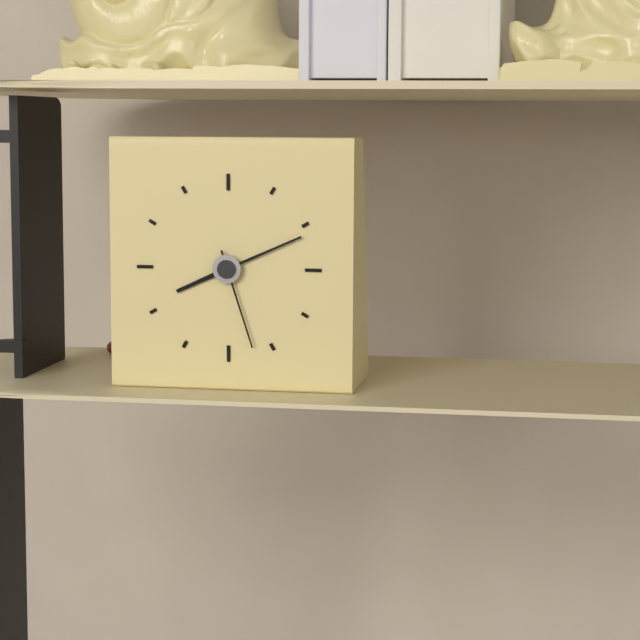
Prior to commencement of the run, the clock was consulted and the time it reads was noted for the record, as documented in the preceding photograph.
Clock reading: 8:11:27
